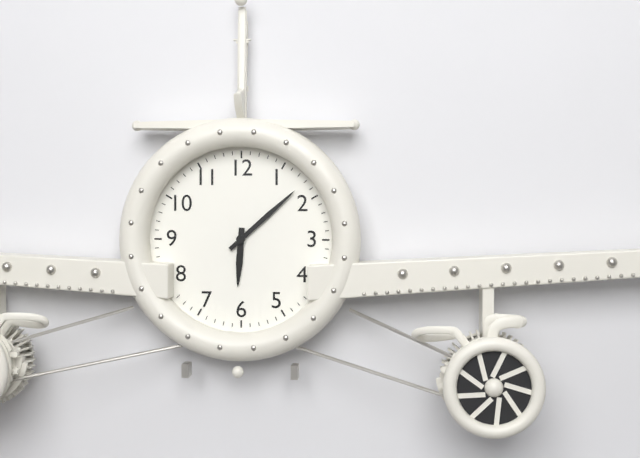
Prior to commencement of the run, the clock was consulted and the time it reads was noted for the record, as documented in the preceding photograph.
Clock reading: 6:08
